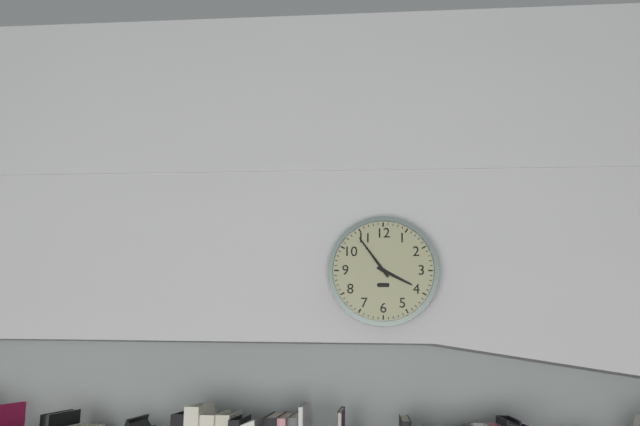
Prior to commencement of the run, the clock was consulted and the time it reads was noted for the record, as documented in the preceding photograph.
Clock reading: 3:54
